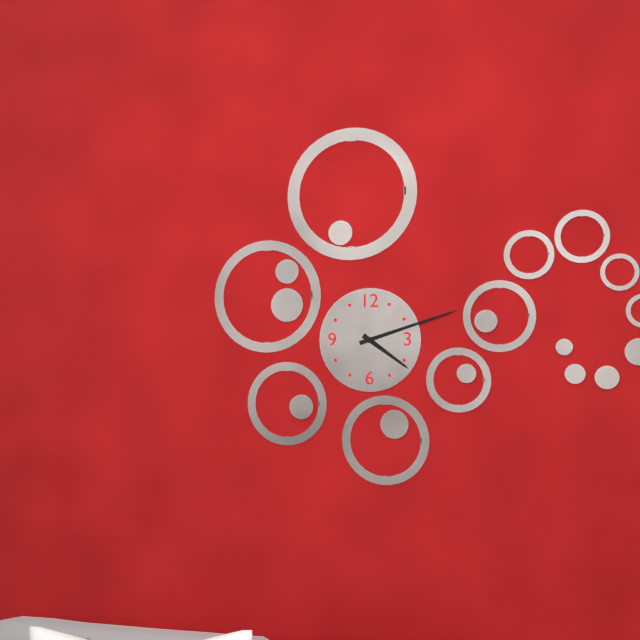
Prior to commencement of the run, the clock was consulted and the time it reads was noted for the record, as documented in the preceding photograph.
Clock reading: 4:12
